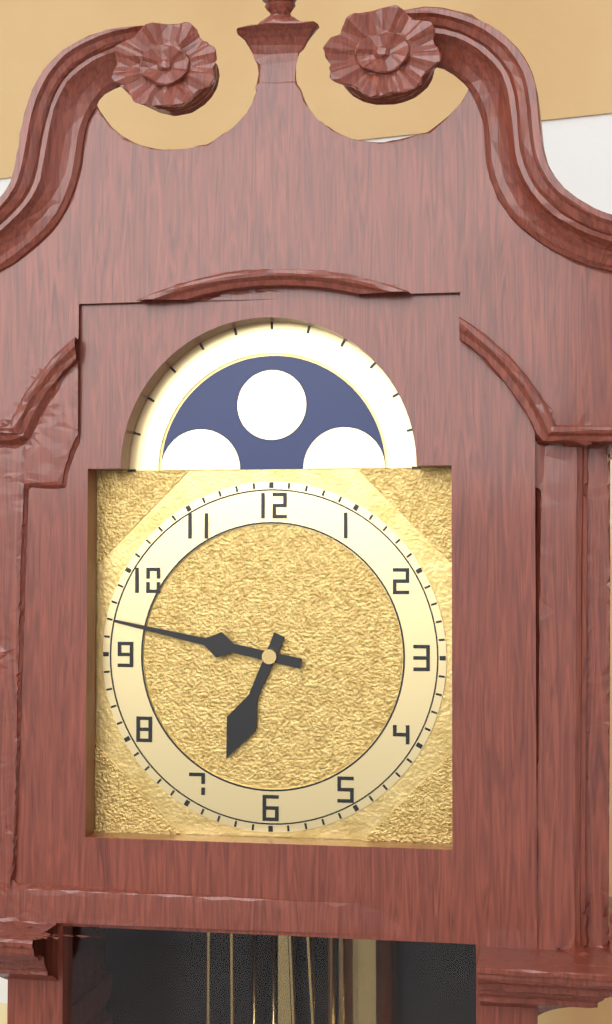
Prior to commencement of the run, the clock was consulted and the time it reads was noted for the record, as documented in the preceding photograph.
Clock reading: 6:47
